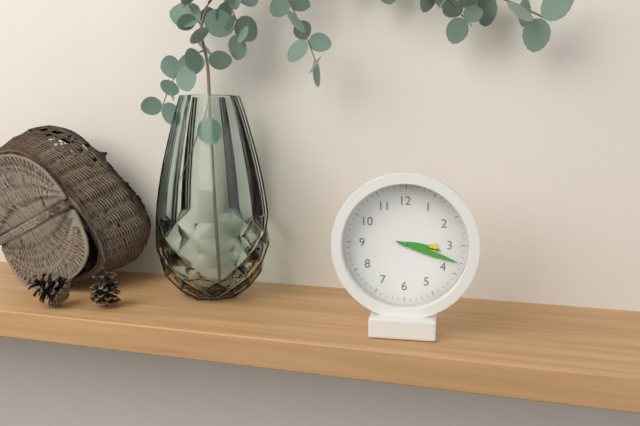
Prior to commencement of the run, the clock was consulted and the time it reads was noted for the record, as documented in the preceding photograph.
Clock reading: 3:18
